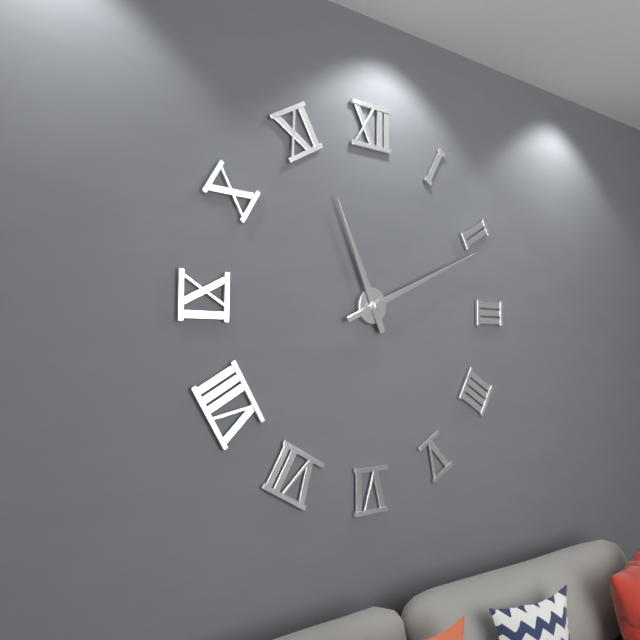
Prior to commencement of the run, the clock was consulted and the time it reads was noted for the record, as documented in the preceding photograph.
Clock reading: 11:11
